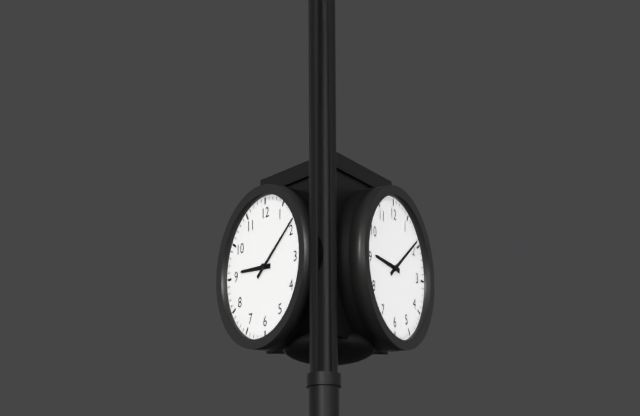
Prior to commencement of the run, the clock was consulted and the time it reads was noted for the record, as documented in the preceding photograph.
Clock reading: 9:09
